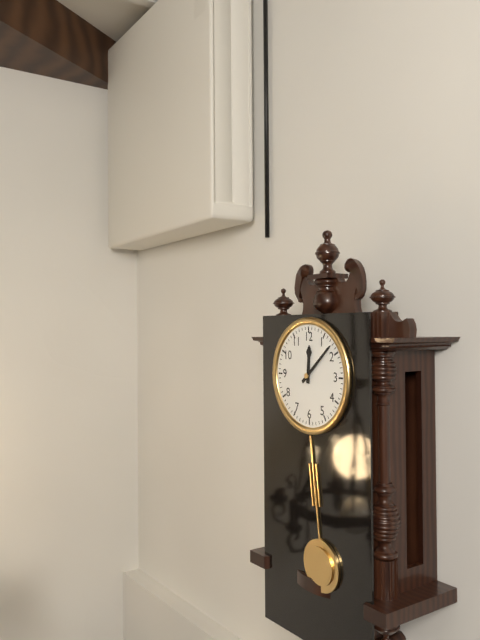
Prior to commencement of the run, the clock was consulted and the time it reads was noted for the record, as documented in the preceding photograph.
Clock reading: 12:08
